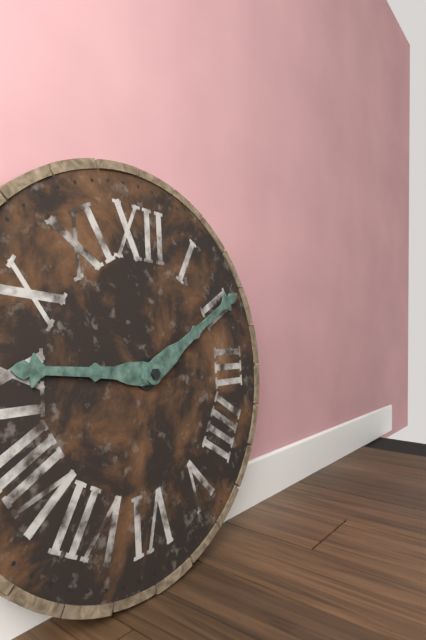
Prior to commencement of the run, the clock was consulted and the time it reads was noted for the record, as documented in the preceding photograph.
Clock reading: 9:10
